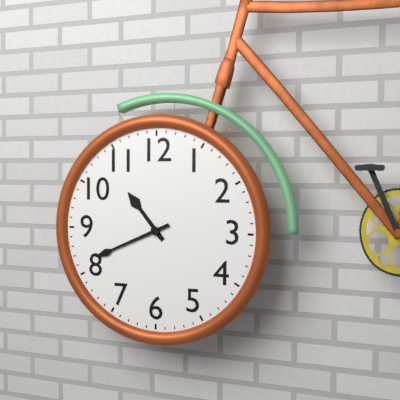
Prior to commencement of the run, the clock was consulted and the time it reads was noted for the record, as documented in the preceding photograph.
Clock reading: 10:41
